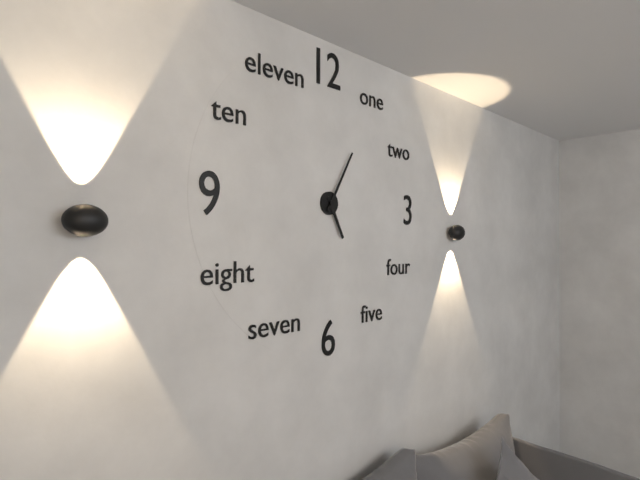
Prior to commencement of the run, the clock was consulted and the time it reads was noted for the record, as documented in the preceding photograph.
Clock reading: 5:05
